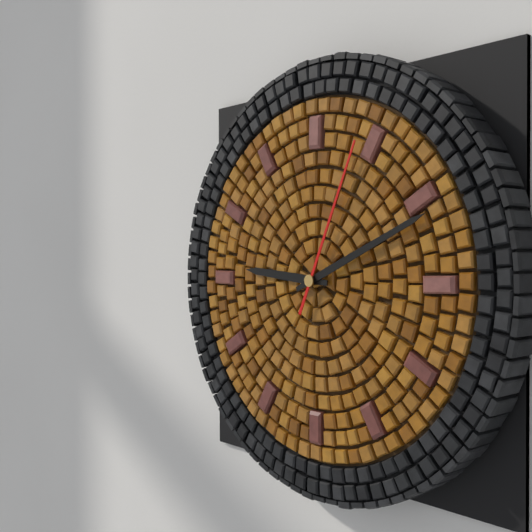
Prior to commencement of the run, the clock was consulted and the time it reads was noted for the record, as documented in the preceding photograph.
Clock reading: 9:11:04
